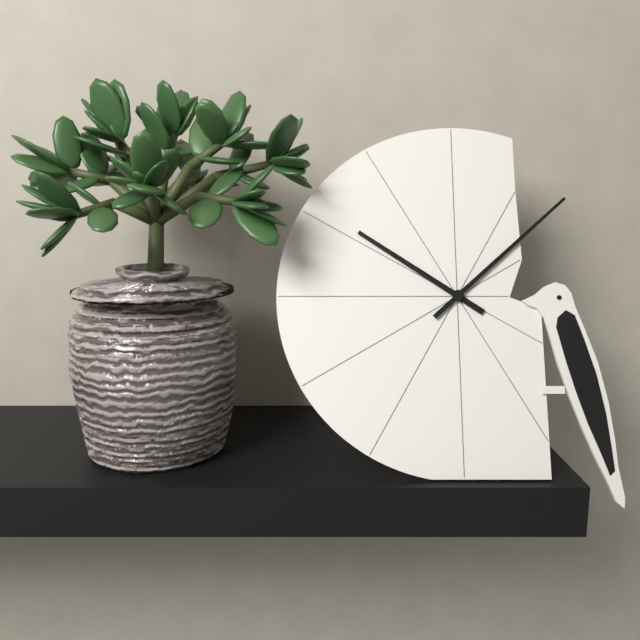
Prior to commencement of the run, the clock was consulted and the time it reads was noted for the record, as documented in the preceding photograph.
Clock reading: 10:08
